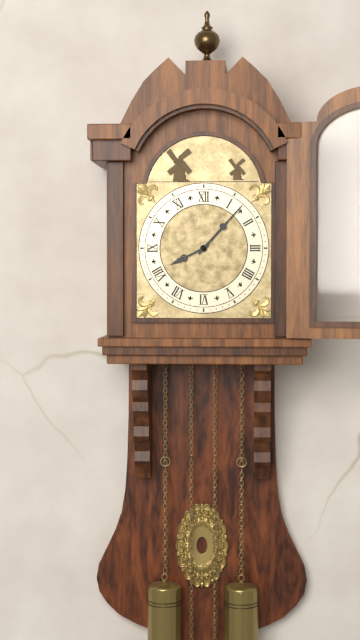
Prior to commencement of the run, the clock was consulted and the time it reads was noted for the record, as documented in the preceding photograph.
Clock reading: 8:07
